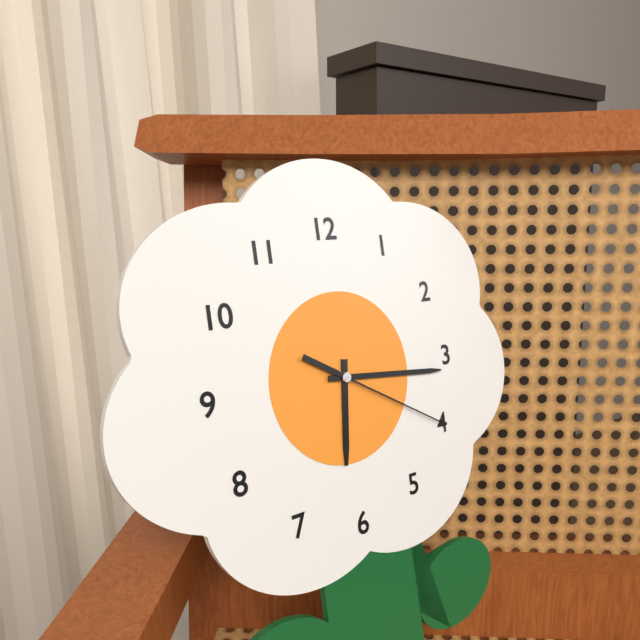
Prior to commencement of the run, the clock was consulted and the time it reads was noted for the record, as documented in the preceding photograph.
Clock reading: 6:16:20
